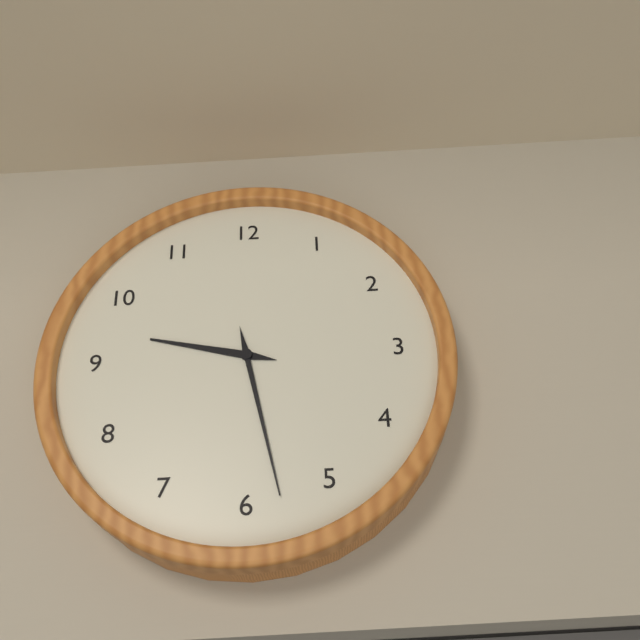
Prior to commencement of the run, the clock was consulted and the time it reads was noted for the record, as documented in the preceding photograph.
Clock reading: 9:28
